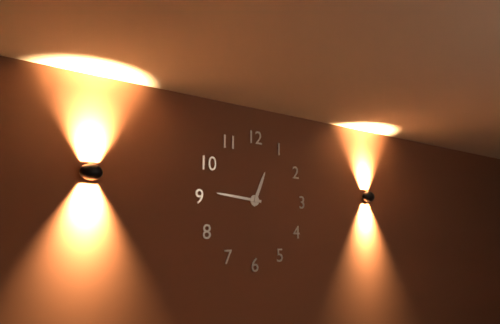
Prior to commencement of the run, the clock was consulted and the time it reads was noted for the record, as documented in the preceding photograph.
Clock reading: 12:46
